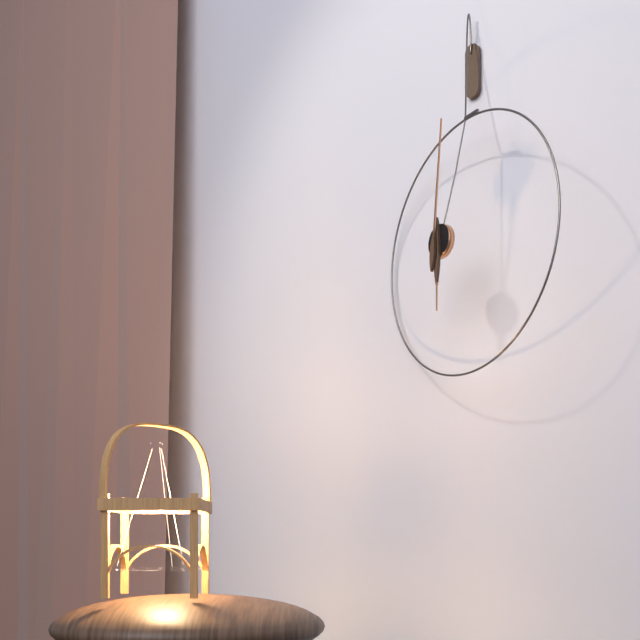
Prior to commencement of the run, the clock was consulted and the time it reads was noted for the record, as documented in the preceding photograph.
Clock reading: 6:01
